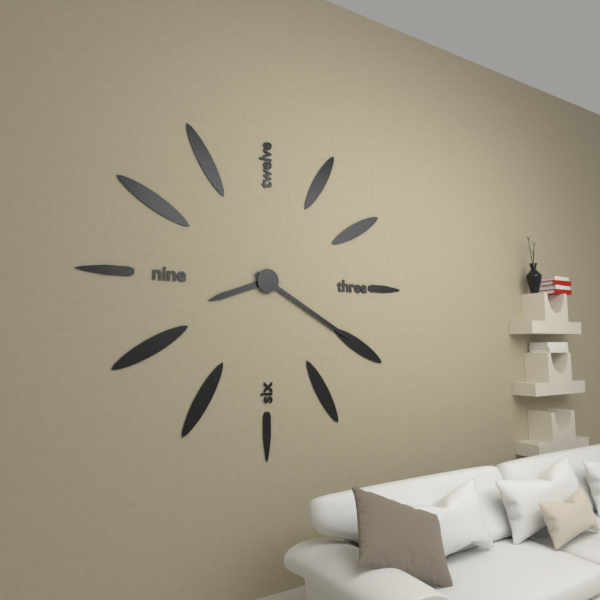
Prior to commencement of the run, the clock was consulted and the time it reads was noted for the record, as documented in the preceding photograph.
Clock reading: 8:20
